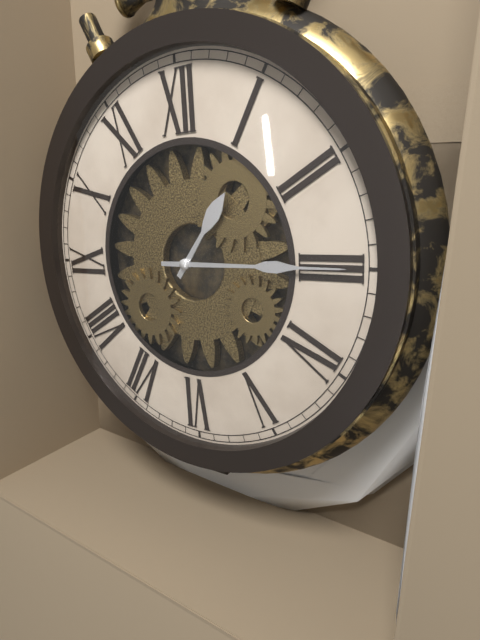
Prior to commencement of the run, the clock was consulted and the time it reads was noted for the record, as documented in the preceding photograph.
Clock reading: 1:15
